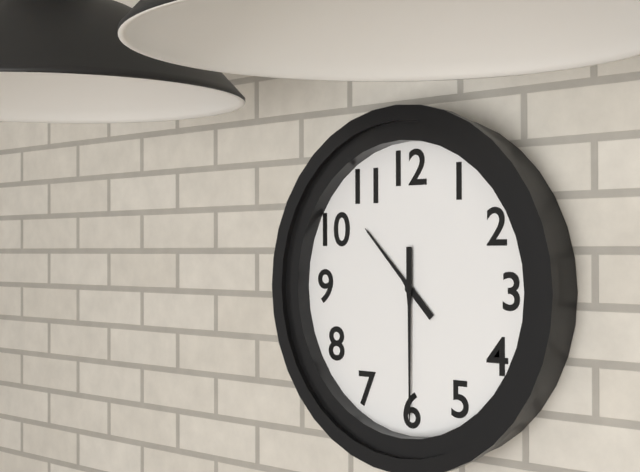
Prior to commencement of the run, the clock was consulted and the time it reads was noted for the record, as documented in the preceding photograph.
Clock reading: 10:30
